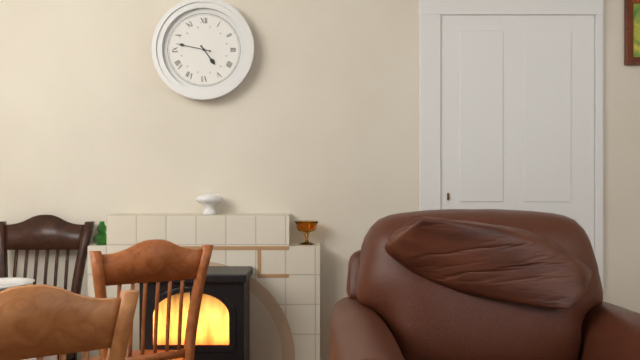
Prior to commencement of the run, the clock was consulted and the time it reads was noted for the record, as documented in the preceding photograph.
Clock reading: 4:47
